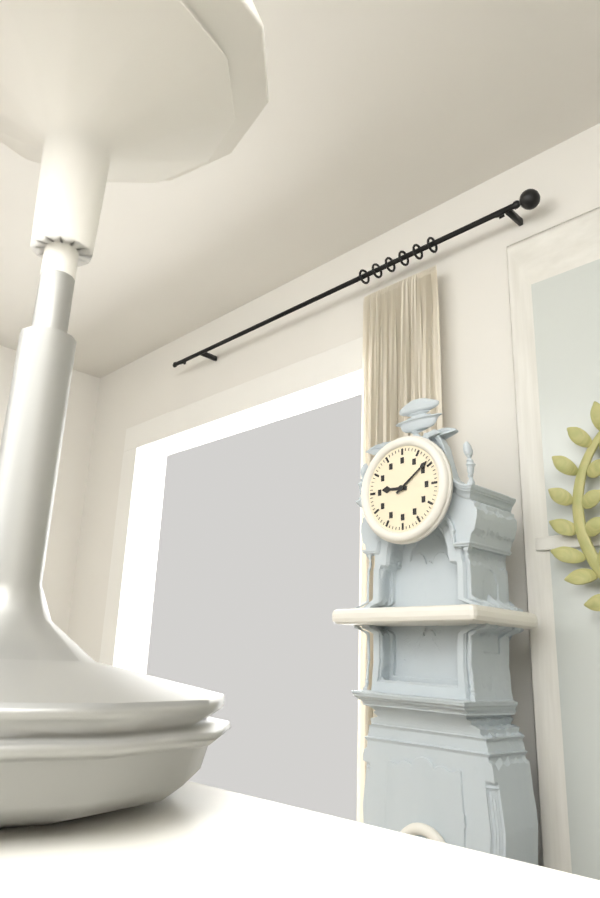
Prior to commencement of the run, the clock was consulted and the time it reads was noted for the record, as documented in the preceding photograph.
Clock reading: 9:09
